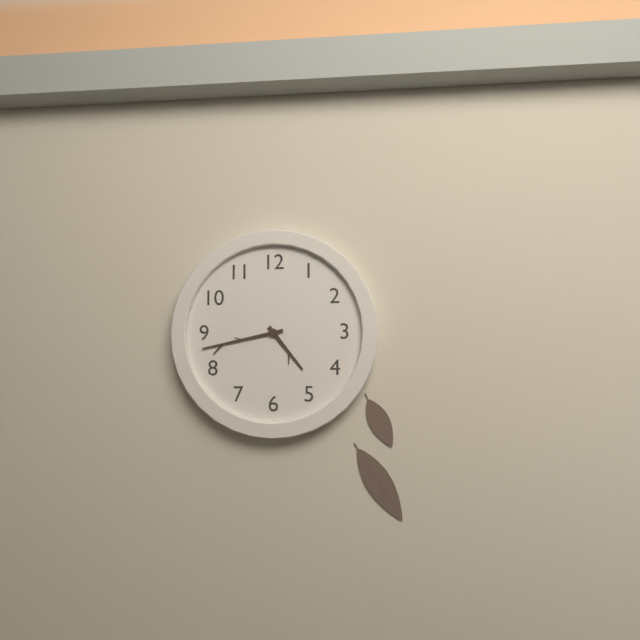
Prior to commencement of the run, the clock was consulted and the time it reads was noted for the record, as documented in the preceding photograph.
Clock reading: 4:43
